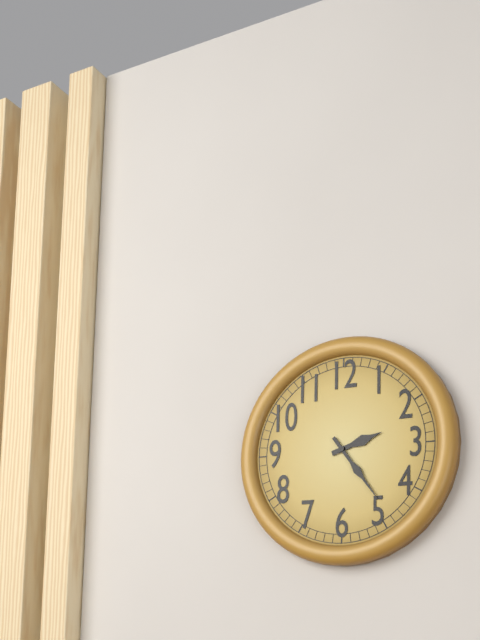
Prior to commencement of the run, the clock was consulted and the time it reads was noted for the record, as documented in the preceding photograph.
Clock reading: 2:24
